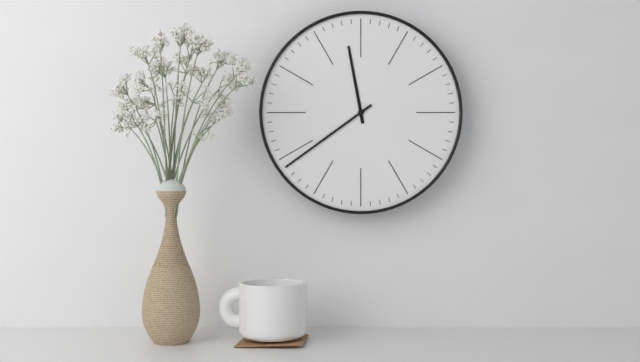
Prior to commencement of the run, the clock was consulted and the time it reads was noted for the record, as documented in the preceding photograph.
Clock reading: 11:39
